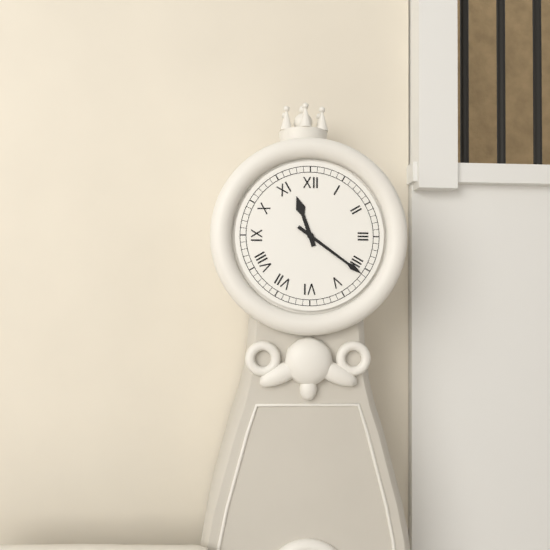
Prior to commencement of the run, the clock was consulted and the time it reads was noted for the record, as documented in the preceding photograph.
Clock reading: 11:21
